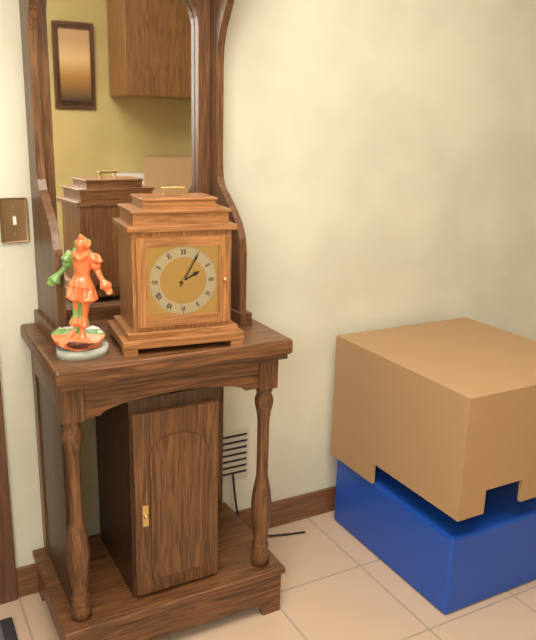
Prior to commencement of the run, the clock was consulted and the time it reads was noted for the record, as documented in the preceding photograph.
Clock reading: 2:05
